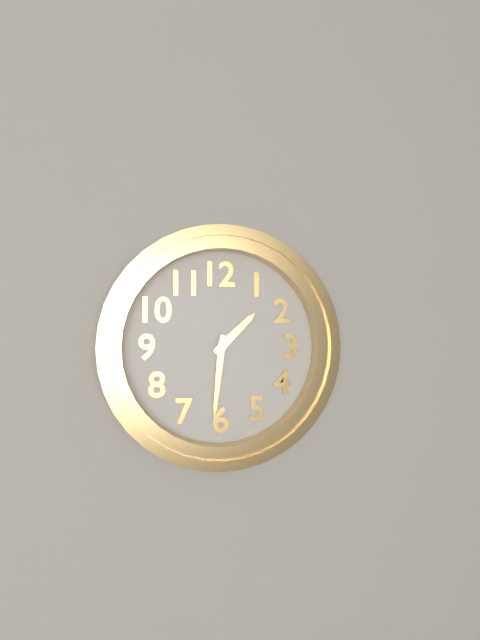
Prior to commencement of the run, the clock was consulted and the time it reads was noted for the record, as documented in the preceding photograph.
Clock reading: 1:31
